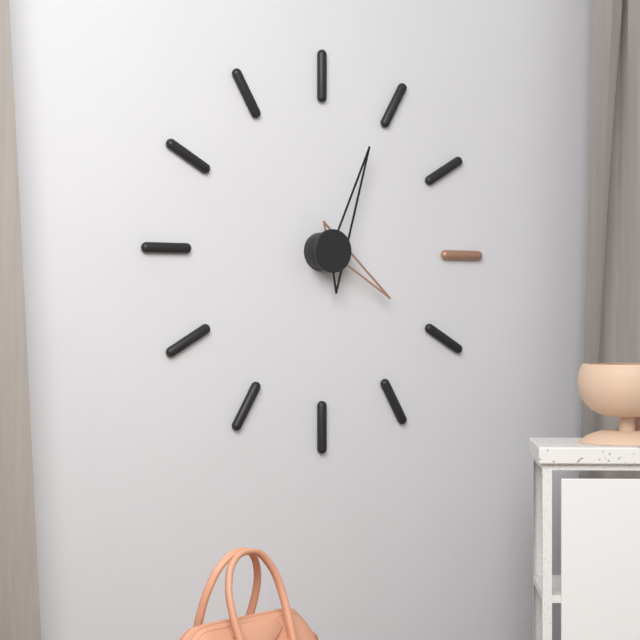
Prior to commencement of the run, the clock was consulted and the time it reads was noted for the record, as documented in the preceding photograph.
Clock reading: 4:04
